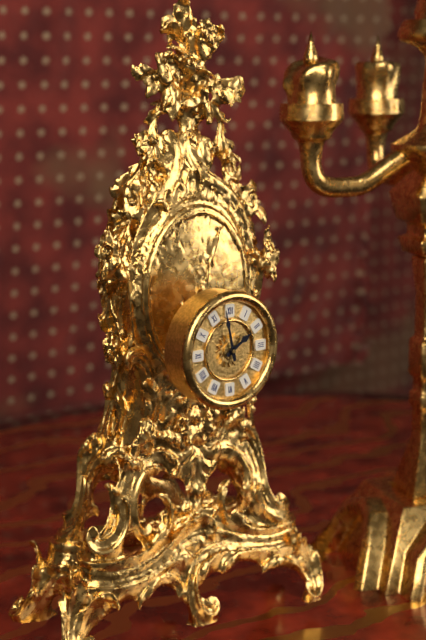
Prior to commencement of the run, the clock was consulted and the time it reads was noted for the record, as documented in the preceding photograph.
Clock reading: 1:58
